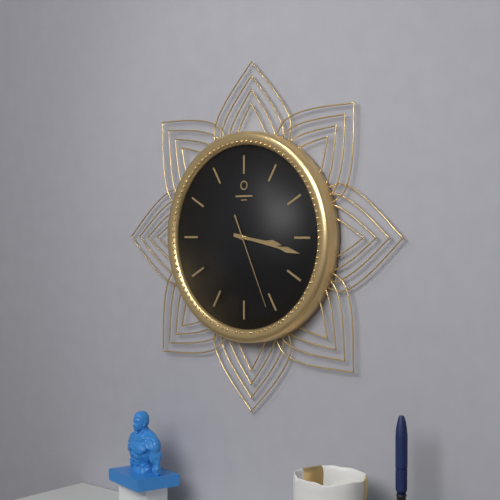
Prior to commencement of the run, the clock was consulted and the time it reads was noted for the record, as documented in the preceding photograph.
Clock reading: 3:17:26
